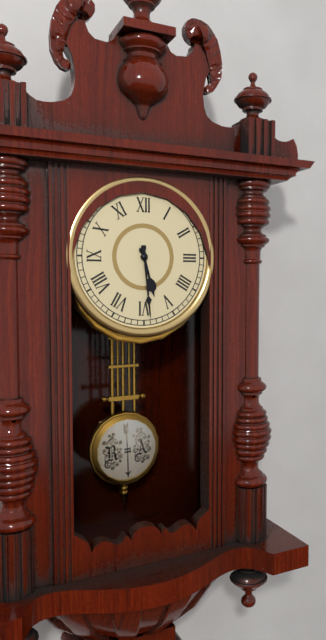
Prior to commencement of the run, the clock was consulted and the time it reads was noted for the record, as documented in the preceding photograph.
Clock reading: 5:29
